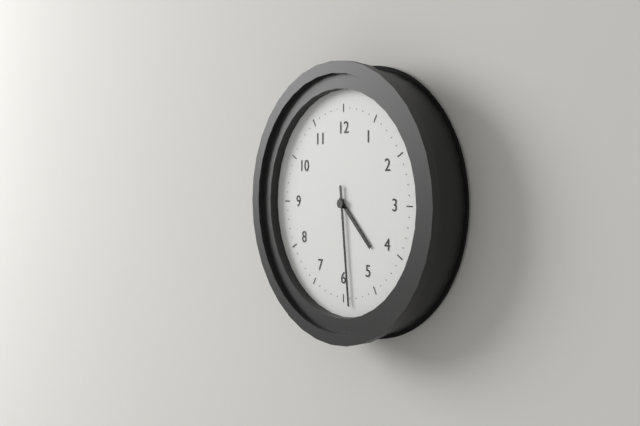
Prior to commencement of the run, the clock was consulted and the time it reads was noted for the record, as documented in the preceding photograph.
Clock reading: 4:29
